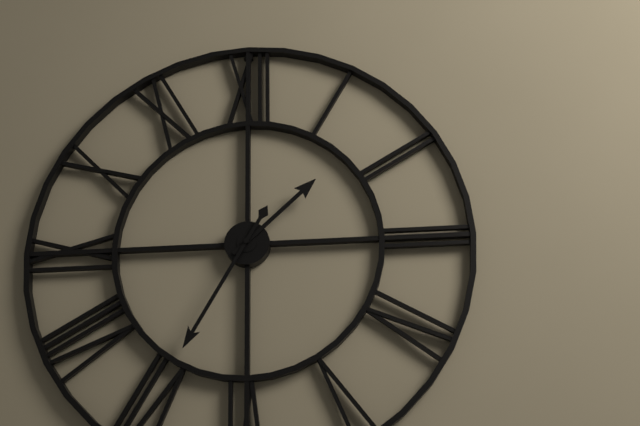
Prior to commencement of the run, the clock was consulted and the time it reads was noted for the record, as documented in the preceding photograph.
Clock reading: 1:35
